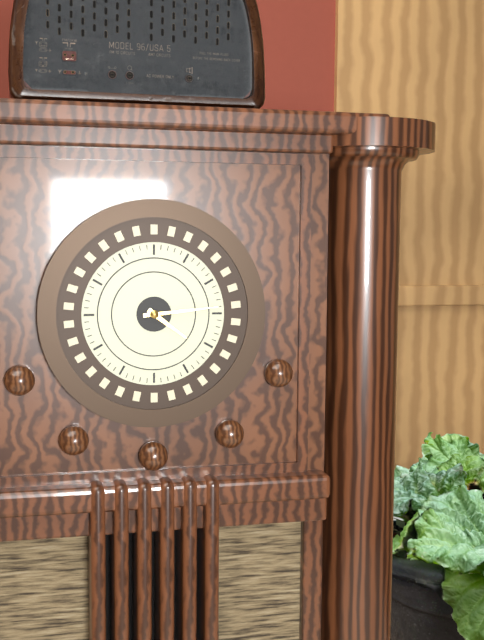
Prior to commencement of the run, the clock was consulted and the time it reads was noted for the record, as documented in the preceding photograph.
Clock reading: 4:14
